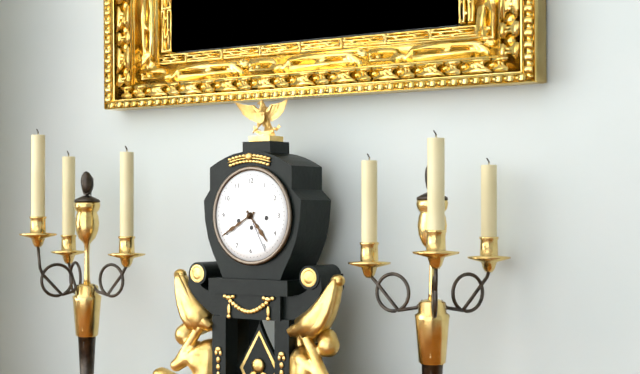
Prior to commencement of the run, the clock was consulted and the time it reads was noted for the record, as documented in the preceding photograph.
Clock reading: 4:40
